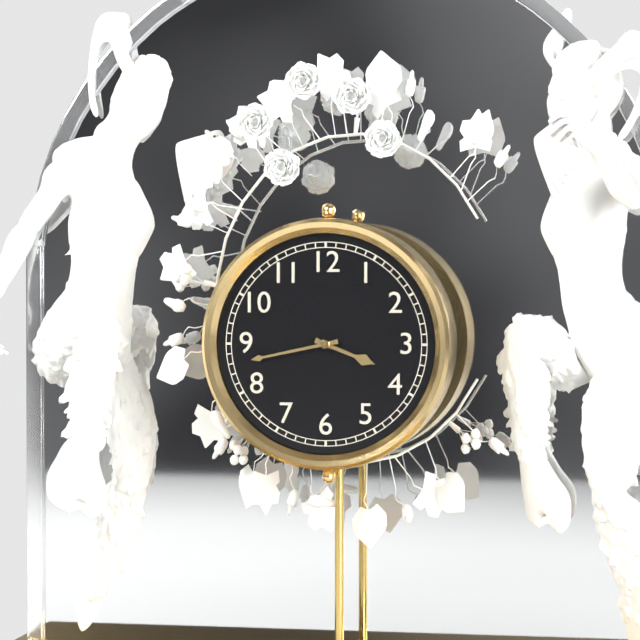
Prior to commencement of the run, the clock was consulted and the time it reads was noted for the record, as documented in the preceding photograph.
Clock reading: 3:43
